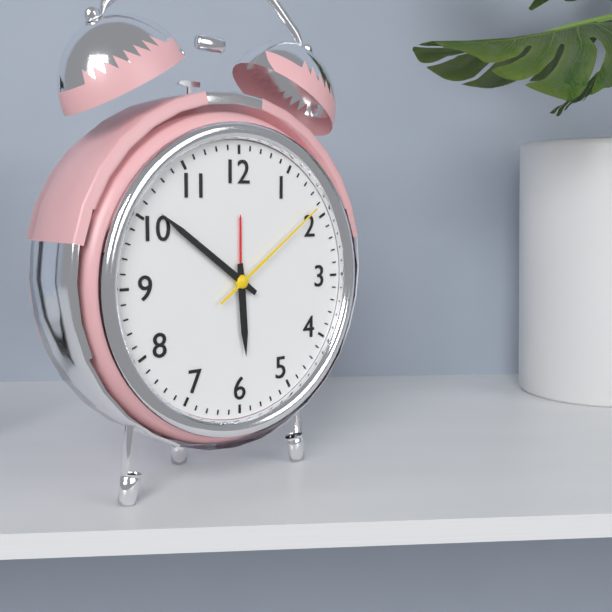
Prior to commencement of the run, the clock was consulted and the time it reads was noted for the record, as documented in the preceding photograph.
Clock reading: 5:51:09
